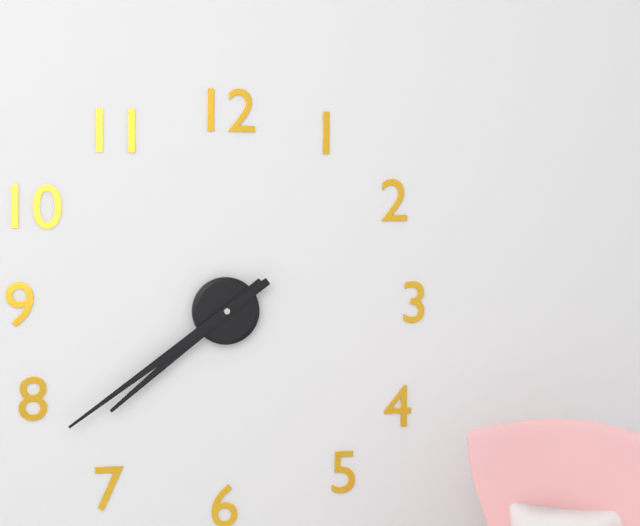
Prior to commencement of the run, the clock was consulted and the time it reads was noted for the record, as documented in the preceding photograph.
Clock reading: 7:39
